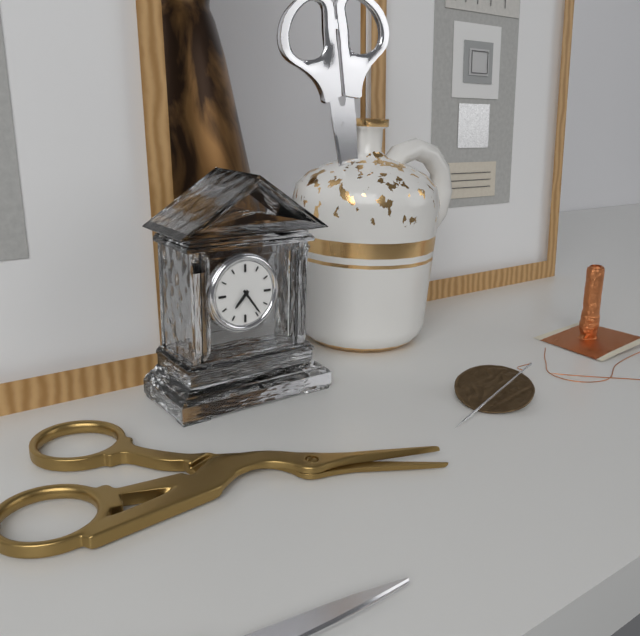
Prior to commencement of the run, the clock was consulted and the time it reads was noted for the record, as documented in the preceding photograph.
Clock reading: 7:24
